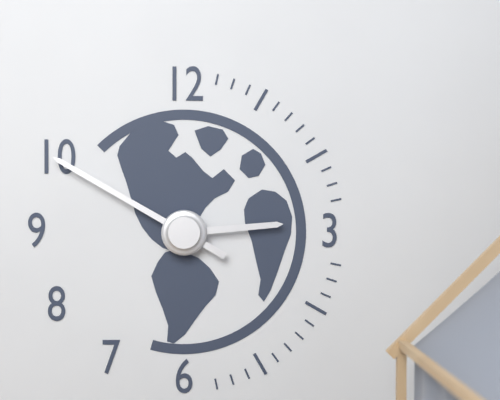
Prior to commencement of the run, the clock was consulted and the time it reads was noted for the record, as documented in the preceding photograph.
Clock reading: 2:50
